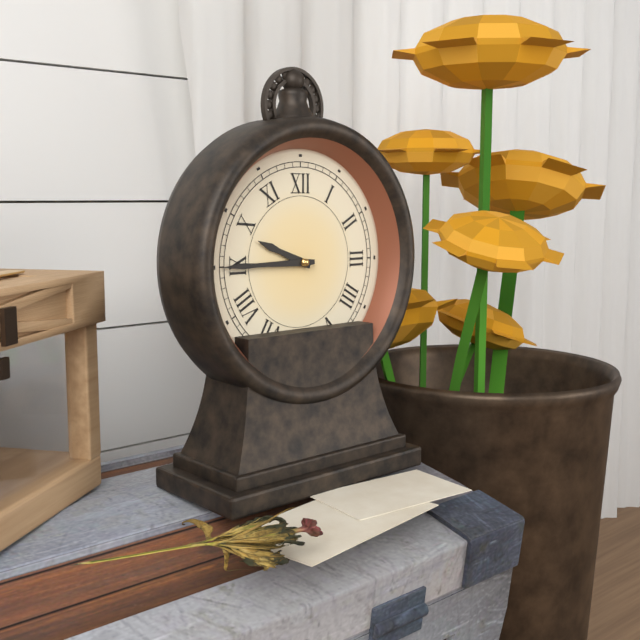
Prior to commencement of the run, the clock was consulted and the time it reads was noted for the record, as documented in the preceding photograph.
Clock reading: 9:45
